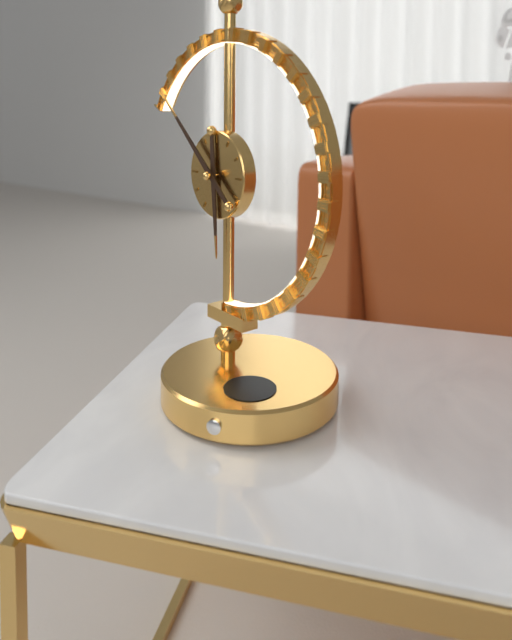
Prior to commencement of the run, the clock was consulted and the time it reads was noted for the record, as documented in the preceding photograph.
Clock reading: 5:52
